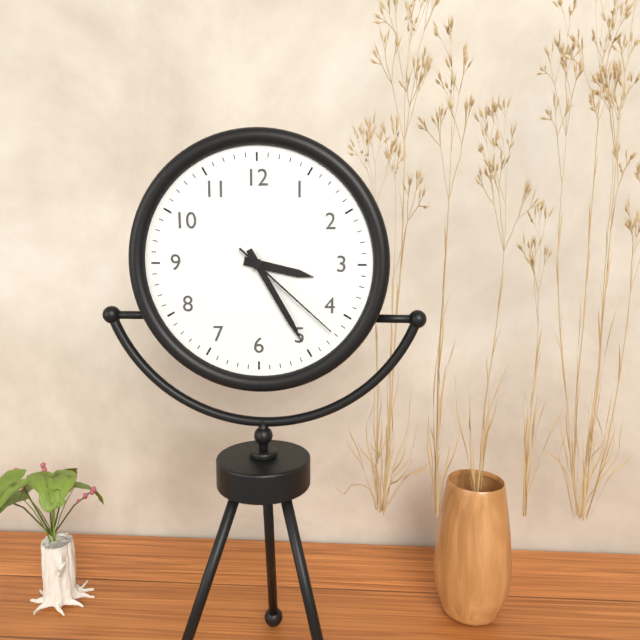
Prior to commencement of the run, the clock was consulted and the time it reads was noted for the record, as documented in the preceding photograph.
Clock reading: 3:25:22
